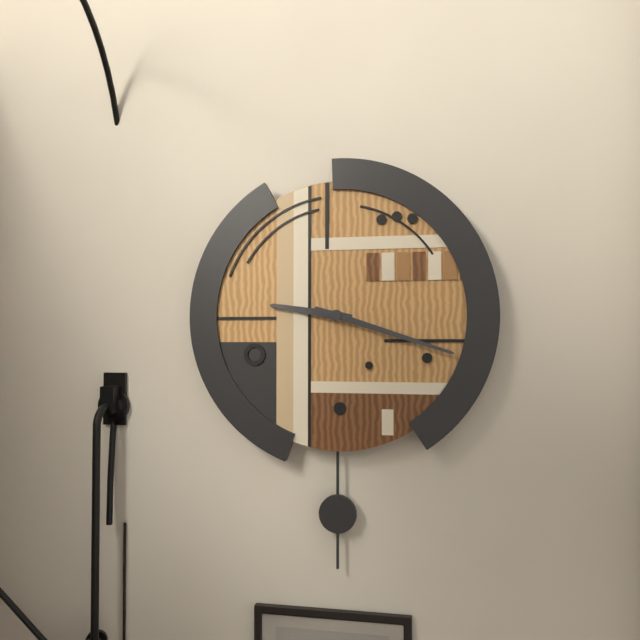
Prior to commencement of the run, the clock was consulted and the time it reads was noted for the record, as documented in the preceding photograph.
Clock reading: 9:18
